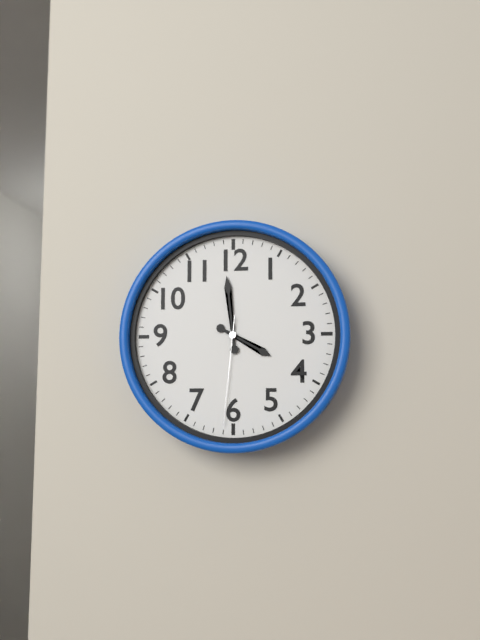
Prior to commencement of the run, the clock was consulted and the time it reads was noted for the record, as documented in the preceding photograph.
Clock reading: 3:59:31
